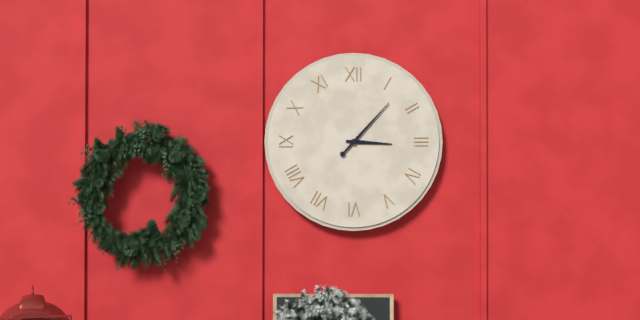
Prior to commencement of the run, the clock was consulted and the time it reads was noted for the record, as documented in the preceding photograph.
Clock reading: 3:07
